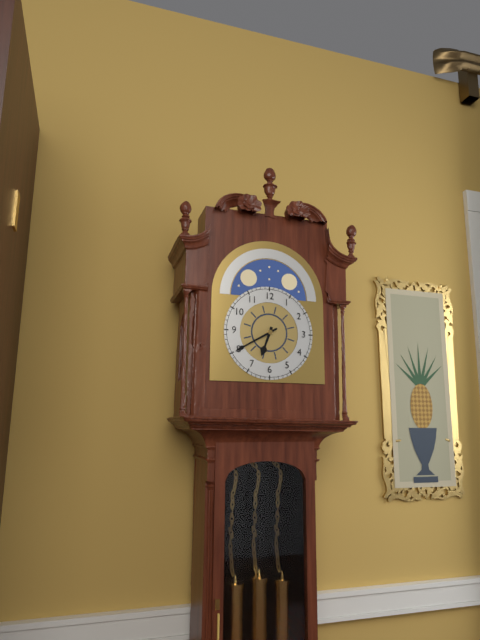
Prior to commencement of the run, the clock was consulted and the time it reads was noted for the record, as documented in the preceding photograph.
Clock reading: 6:40
